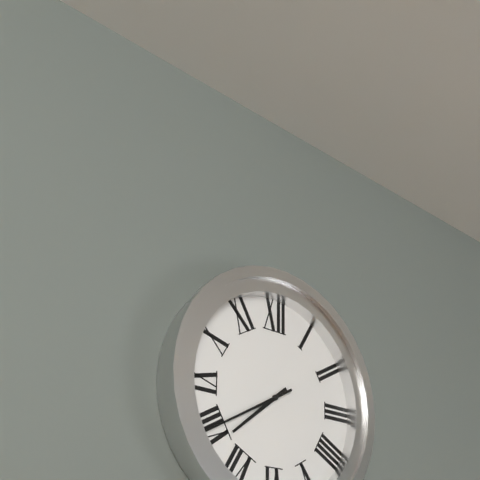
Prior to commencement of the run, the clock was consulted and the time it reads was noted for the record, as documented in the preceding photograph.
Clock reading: 7:40
